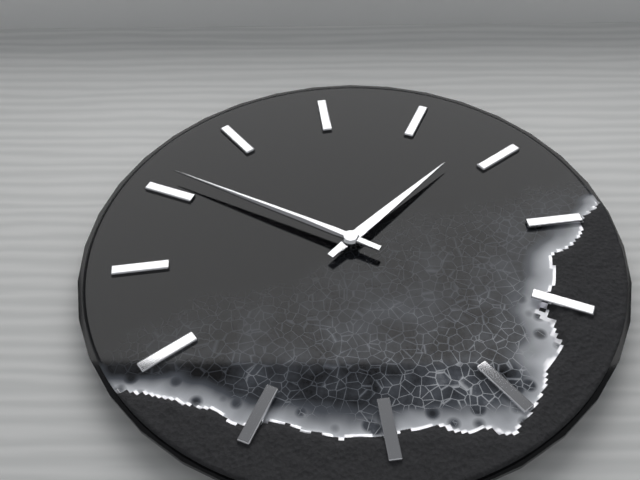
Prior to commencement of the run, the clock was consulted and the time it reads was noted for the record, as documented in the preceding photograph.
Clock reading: 11:41
